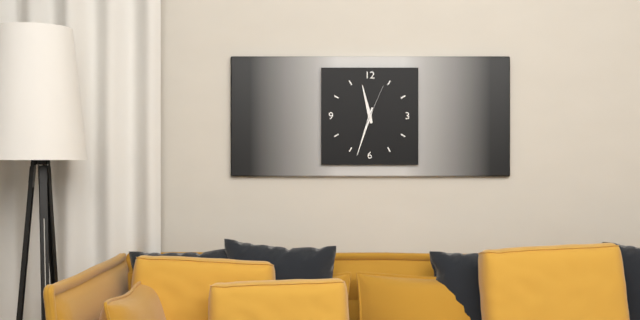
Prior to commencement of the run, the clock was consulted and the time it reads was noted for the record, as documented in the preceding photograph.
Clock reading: 11:33
